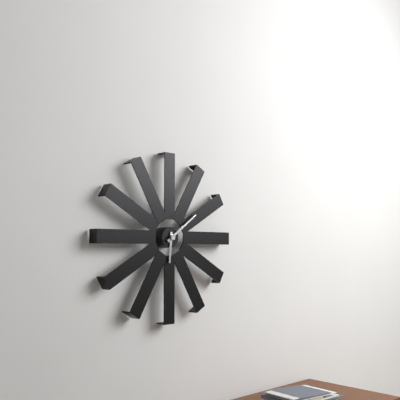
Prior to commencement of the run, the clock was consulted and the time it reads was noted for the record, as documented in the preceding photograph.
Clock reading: 6:09
